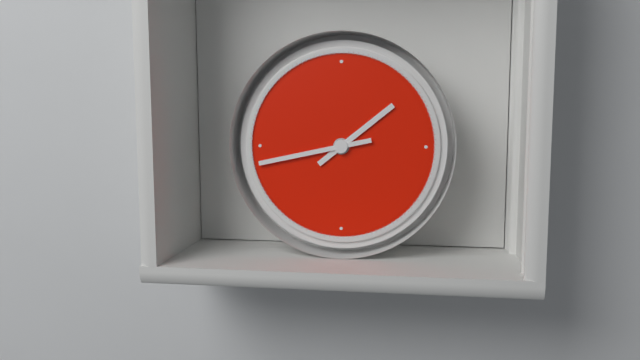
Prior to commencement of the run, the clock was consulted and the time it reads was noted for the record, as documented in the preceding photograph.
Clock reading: 1:43
